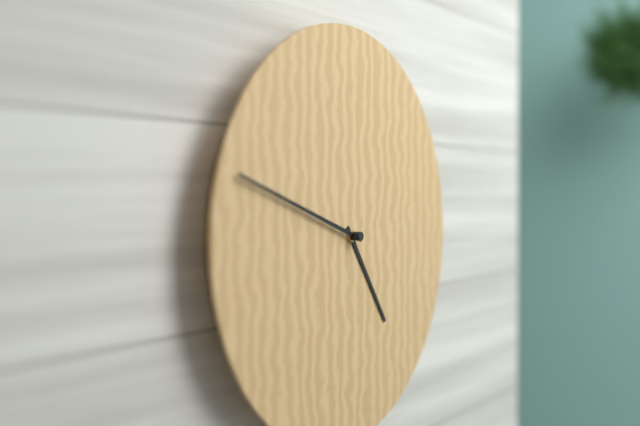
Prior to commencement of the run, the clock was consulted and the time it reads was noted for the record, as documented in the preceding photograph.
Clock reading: 4:48
